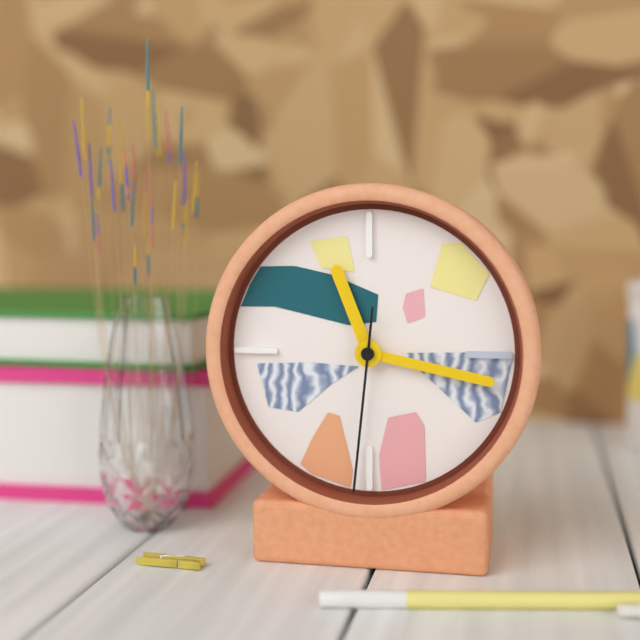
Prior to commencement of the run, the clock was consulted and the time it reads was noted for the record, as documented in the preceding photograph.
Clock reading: 11:17:31
